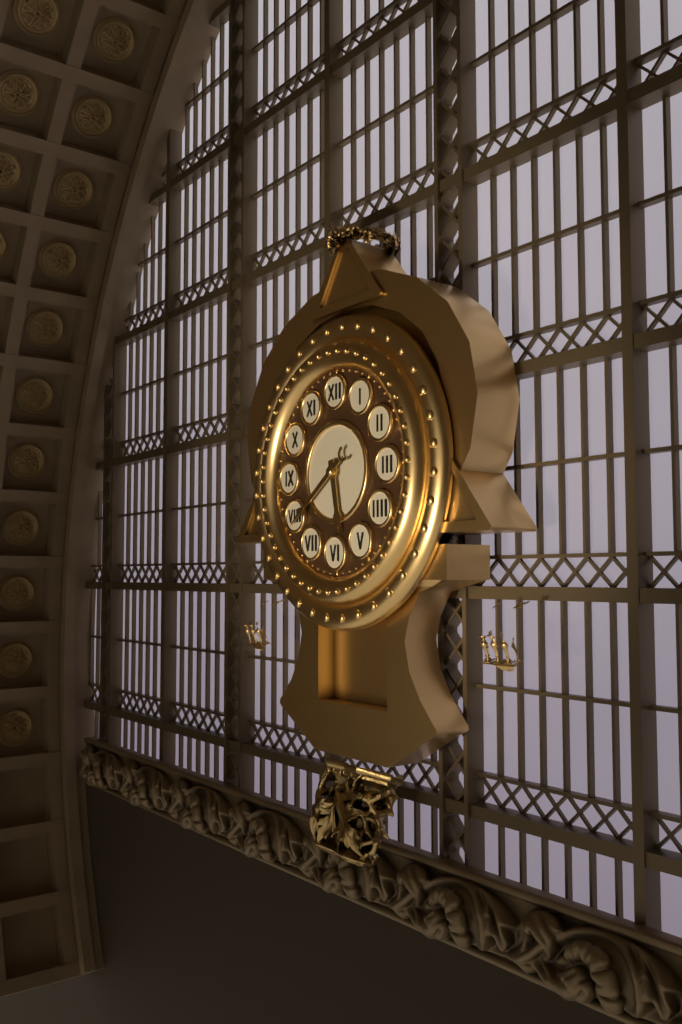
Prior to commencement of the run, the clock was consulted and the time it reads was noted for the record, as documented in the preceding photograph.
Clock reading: 5:39
